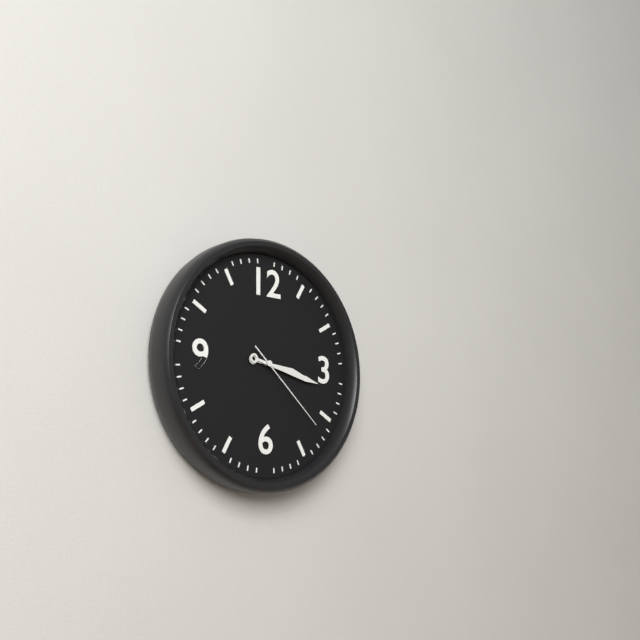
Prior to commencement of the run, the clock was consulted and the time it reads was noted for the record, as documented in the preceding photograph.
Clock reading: 3:17:22
